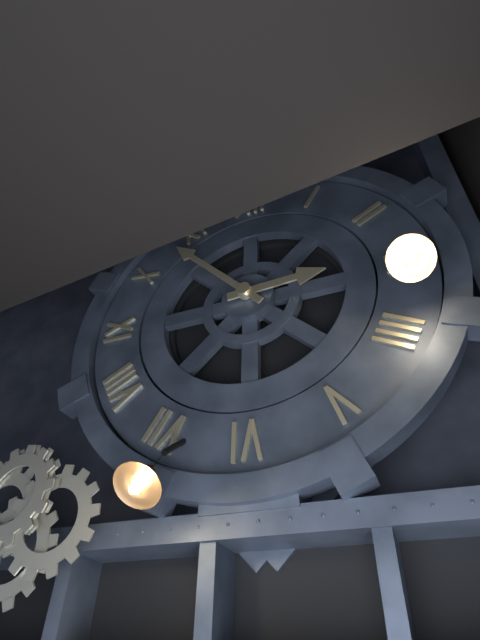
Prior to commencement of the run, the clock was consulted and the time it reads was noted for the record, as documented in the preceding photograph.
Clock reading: 2:53
